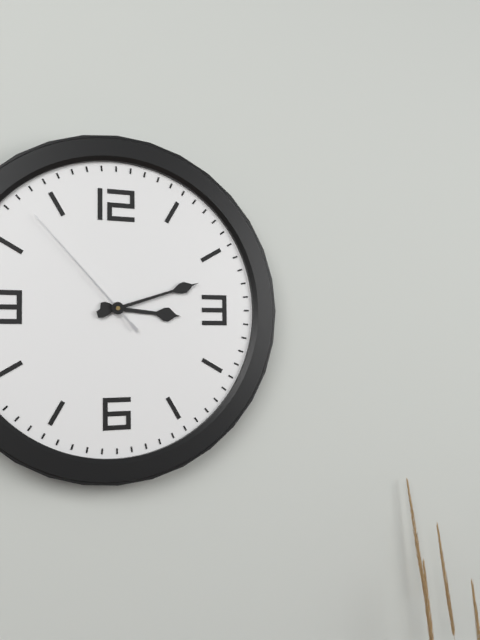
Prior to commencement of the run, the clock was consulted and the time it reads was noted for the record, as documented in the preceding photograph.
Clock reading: 3:12:53
